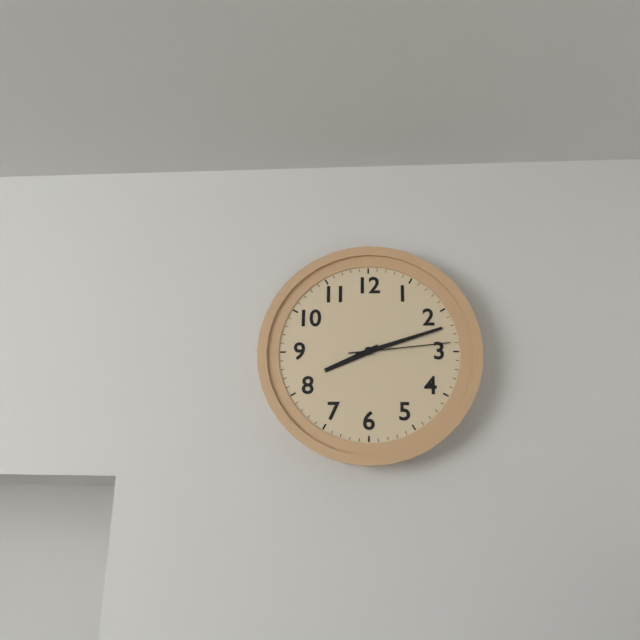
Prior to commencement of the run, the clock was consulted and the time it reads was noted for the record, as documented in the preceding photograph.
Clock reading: 8:12:14
